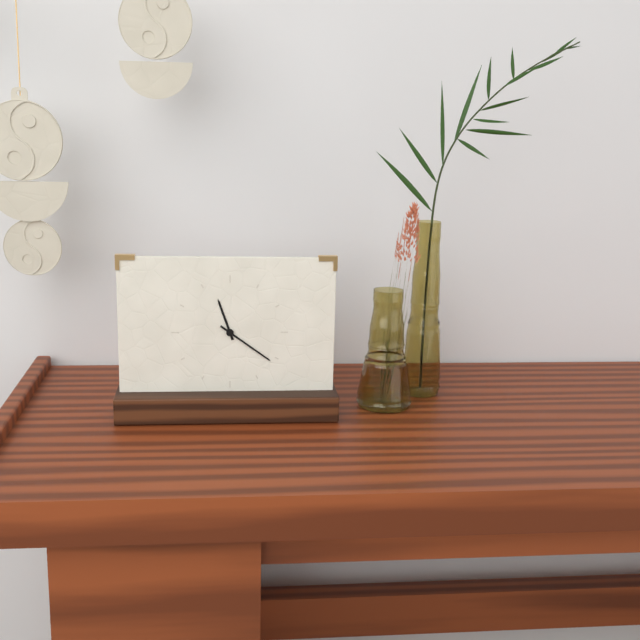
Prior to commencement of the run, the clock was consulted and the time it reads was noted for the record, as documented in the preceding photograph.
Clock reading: 11:21
